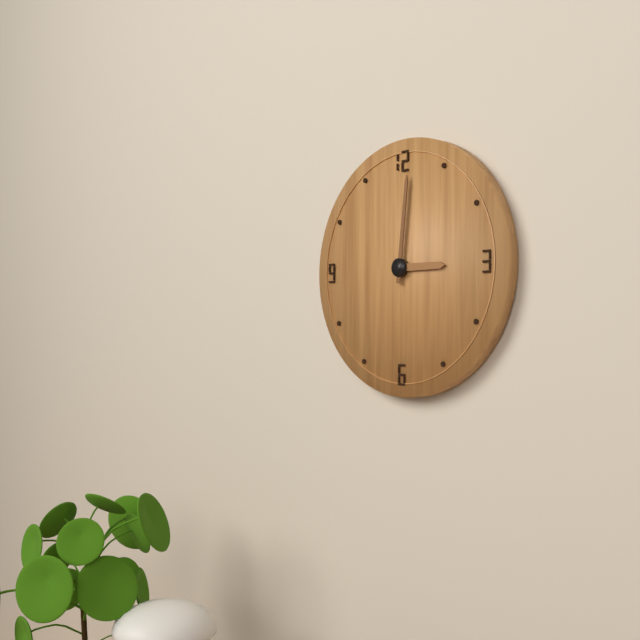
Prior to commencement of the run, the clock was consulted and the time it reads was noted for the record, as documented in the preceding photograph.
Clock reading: 3:01
